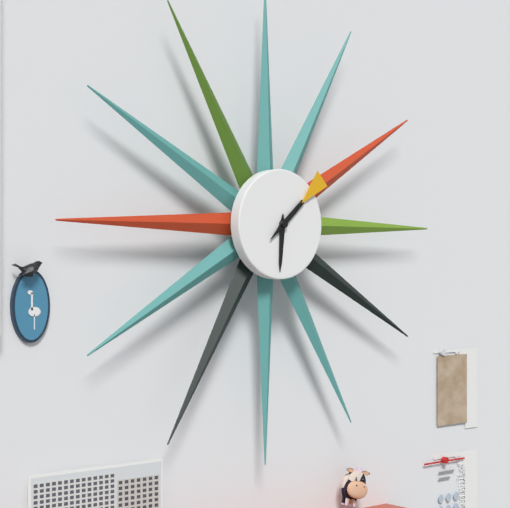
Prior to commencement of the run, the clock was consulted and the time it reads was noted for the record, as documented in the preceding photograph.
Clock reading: 6:08
